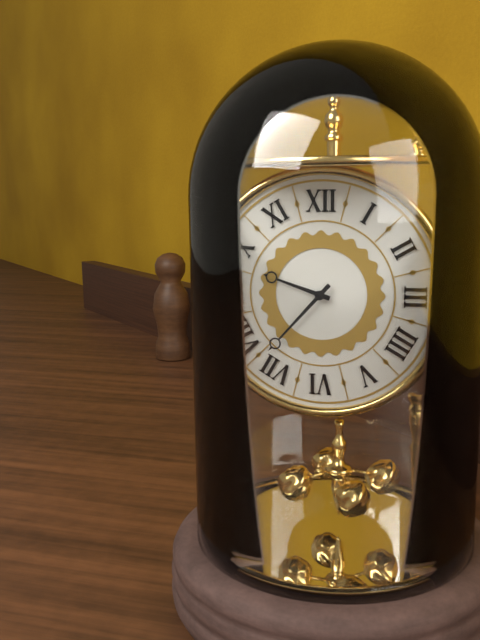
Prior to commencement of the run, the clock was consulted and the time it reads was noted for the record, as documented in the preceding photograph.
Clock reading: 9:37
